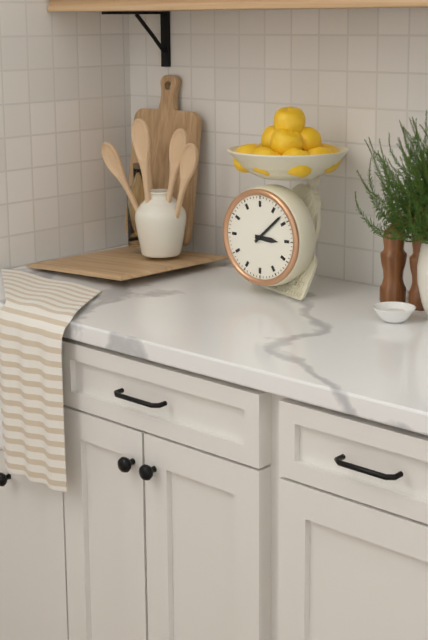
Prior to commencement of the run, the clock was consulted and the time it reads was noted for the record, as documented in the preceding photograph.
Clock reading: 3:08
